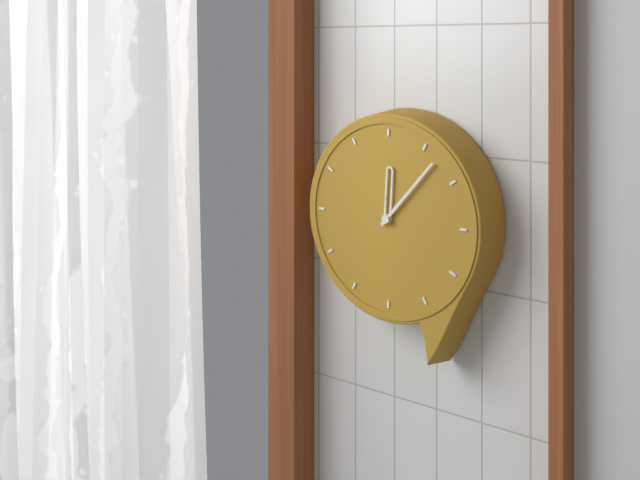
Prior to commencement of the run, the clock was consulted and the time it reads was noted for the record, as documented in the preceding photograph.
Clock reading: 12:07
